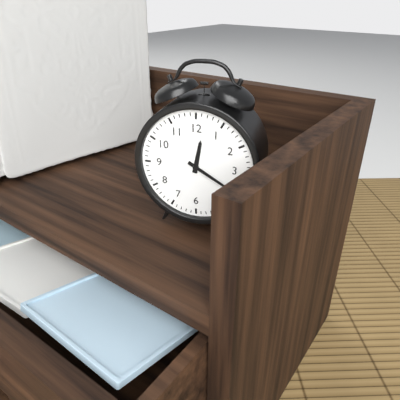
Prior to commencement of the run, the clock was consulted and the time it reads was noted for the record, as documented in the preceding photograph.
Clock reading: 12:20
